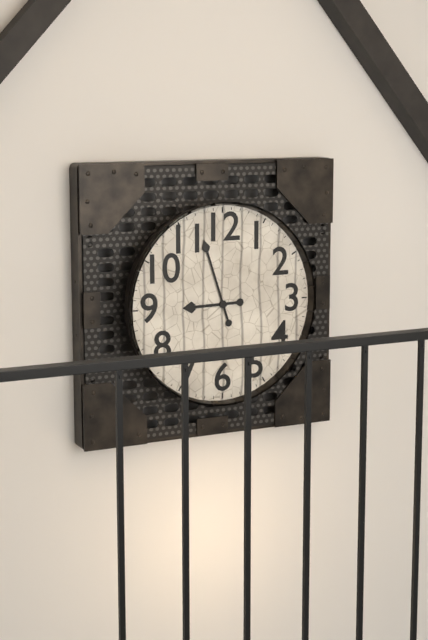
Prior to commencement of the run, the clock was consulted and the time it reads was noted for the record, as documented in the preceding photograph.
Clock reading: 8:57
